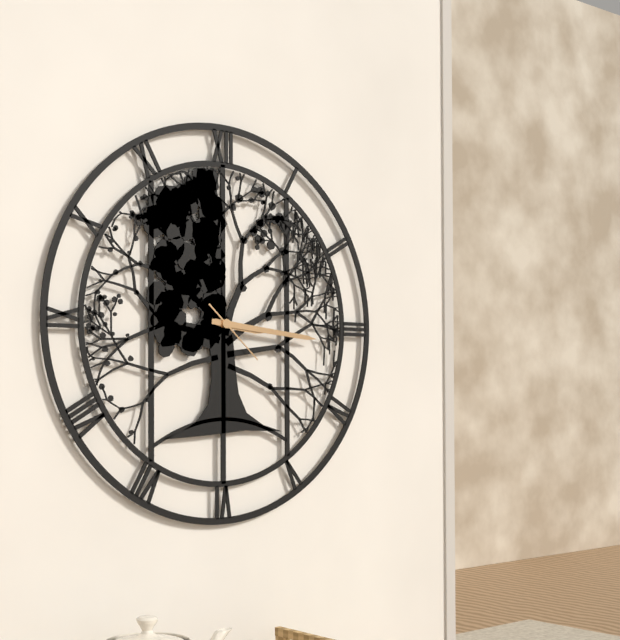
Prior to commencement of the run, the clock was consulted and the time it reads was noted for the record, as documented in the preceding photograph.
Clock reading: 3:16:22
